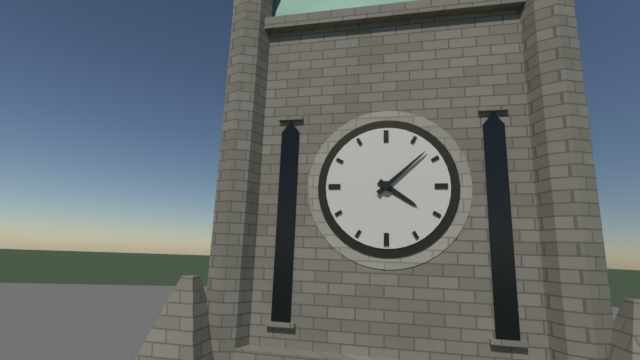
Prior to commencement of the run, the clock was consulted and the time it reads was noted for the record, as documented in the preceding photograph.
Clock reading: 4:08
